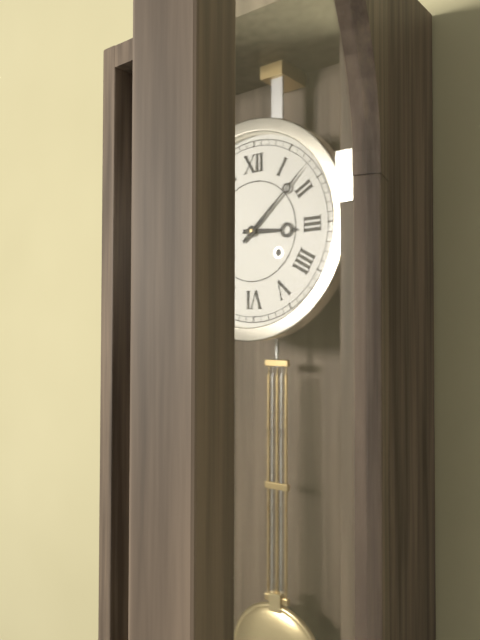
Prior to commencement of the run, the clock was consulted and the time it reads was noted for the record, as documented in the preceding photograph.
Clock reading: 3:08
